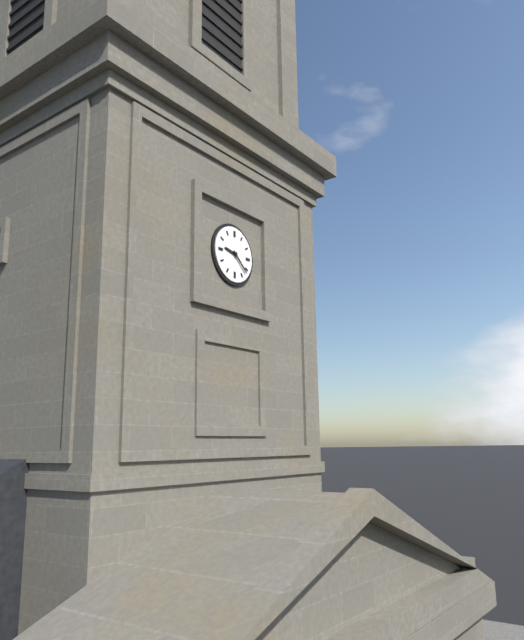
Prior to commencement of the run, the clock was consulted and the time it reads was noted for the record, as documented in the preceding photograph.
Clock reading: 9:22
